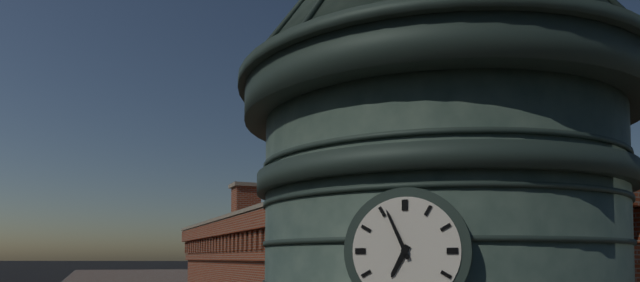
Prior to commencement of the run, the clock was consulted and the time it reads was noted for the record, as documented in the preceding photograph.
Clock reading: 6:56
